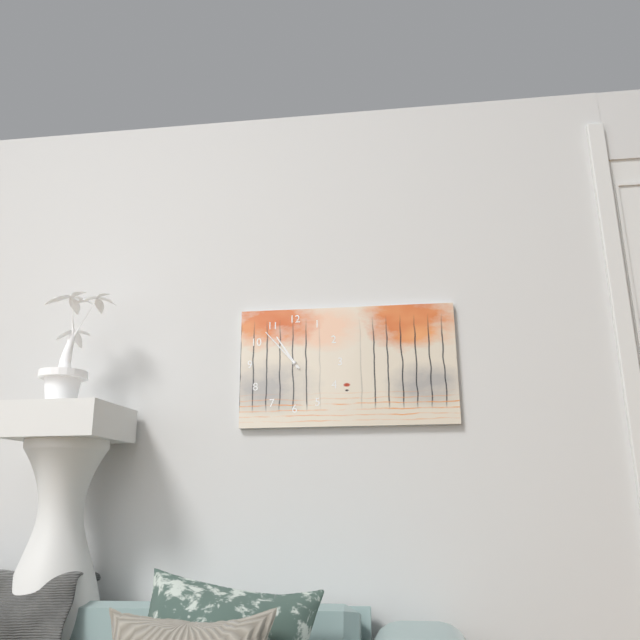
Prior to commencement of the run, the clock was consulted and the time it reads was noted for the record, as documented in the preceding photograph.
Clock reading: 10:53
